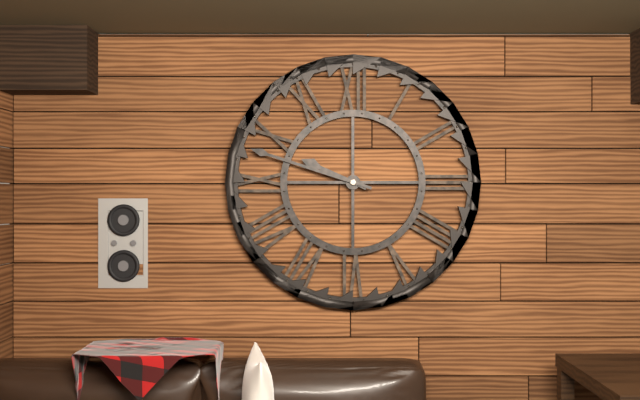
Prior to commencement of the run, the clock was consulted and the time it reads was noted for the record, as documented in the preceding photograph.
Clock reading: 9:48
